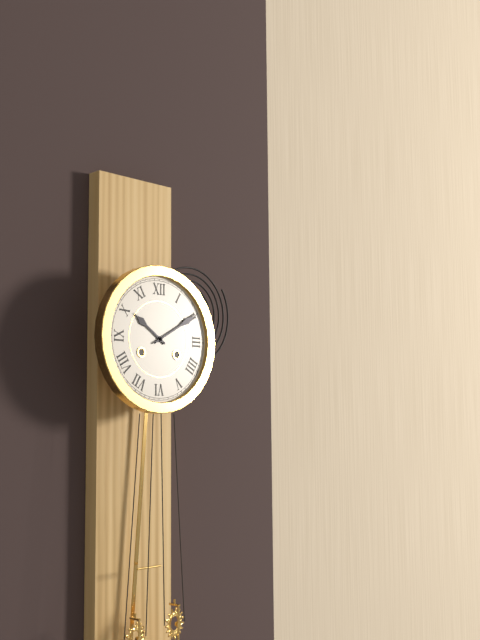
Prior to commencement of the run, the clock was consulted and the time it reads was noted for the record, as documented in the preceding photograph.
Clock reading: 10:10
